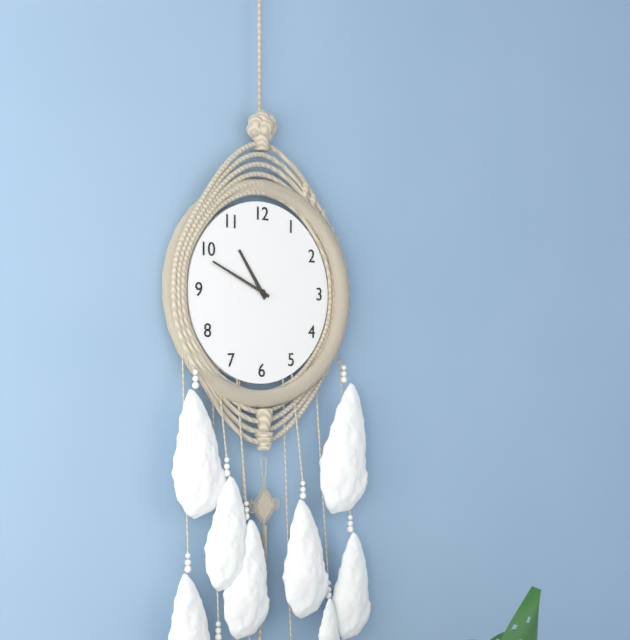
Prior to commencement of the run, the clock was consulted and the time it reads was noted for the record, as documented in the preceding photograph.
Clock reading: 10:49
